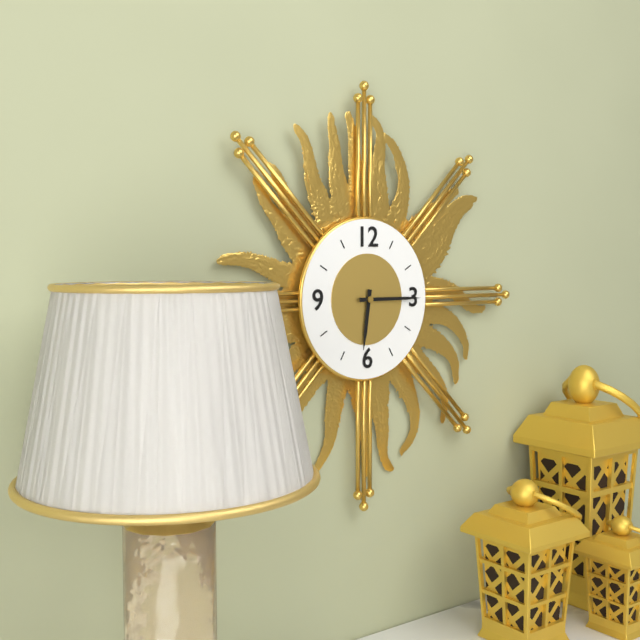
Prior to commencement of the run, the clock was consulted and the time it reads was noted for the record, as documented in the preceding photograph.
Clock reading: 6:15
